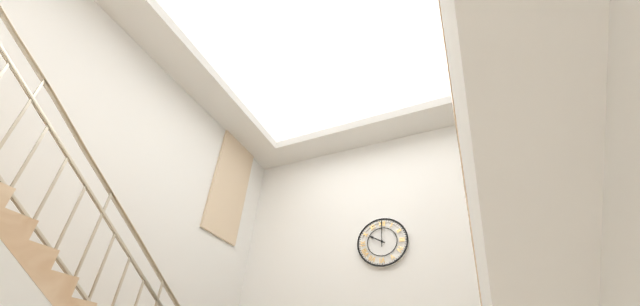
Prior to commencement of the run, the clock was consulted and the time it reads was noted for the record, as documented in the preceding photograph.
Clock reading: 10:00
